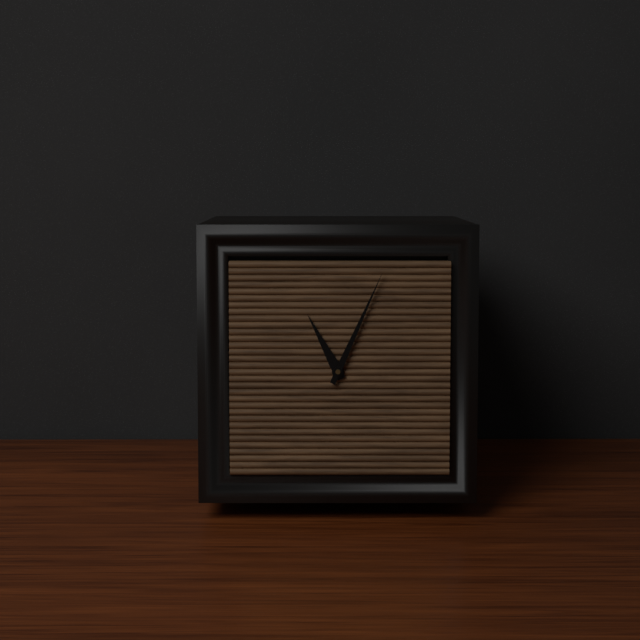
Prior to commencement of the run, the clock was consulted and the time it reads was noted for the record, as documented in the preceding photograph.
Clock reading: 11:04
